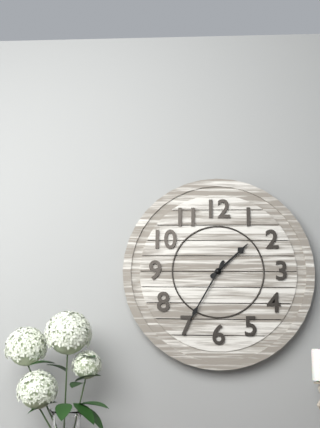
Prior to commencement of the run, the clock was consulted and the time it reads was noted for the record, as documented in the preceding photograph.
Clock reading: 1:35
